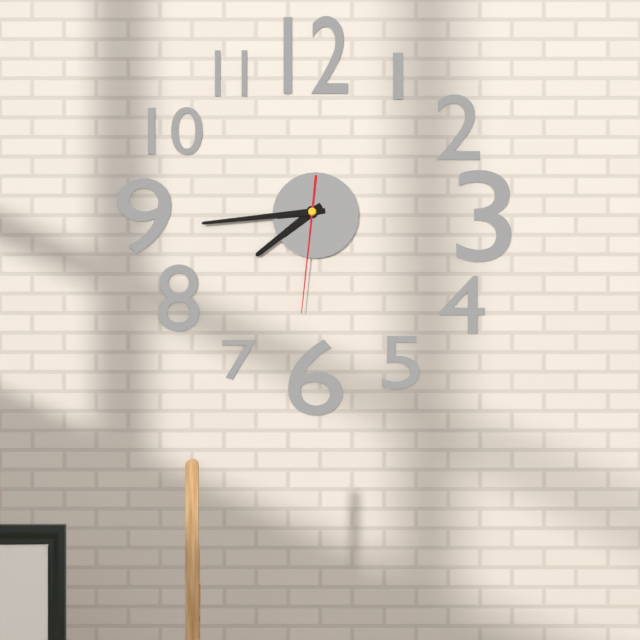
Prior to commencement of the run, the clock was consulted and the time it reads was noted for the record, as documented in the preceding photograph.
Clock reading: 7:44:31
